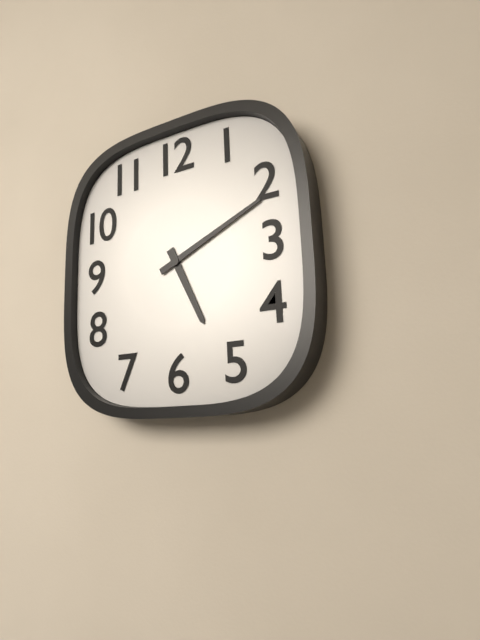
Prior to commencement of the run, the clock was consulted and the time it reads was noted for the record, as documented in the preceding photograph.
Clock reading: 5:11
